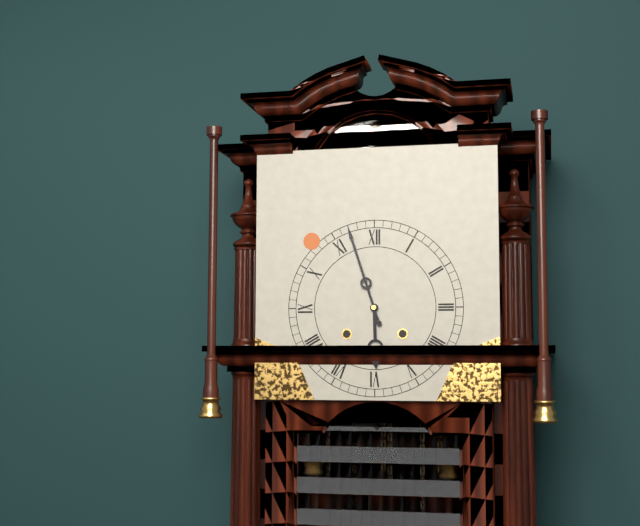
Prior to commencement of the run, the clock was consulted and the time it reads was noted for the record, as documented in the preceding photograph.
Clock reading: 5:57
